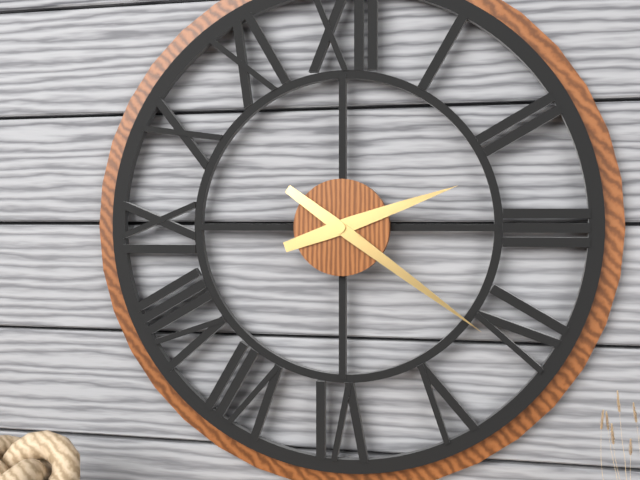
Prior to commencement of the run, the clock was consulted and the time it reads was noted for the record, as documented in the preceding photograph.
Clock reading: 2:21
